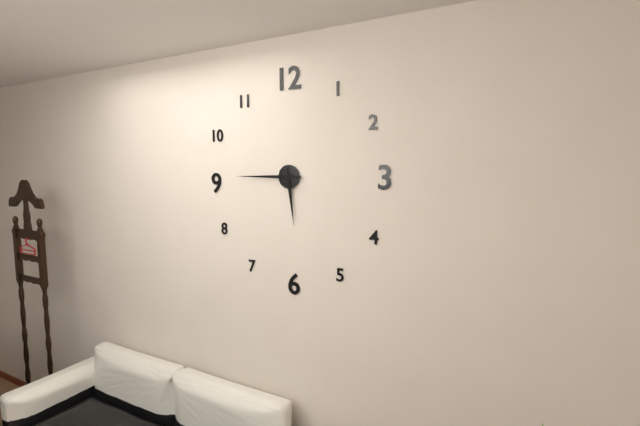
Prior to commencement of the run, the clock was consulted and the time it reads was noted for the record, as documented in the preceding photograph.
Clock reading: 5:45
